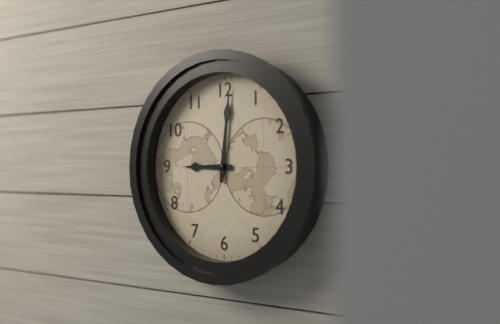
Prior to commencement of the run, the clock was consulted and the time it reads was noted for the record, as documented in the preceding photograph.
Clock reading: 9:01
